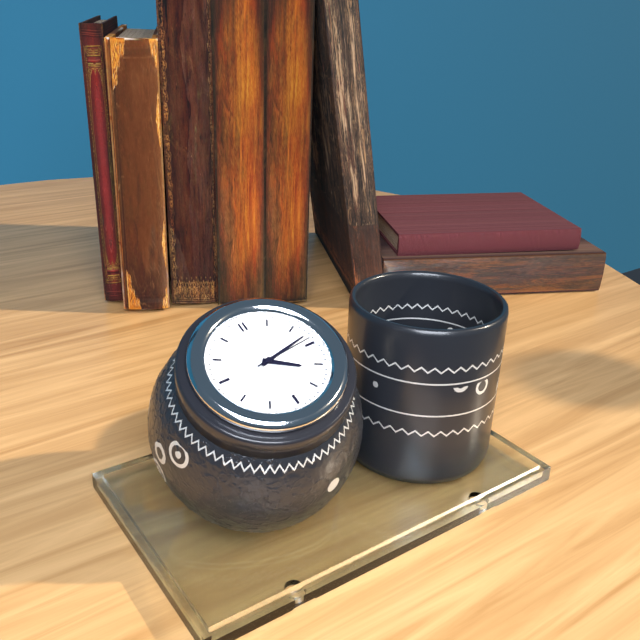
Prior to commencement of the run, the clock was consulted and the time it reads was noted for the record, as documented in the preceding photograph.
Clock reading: 4:13:14
